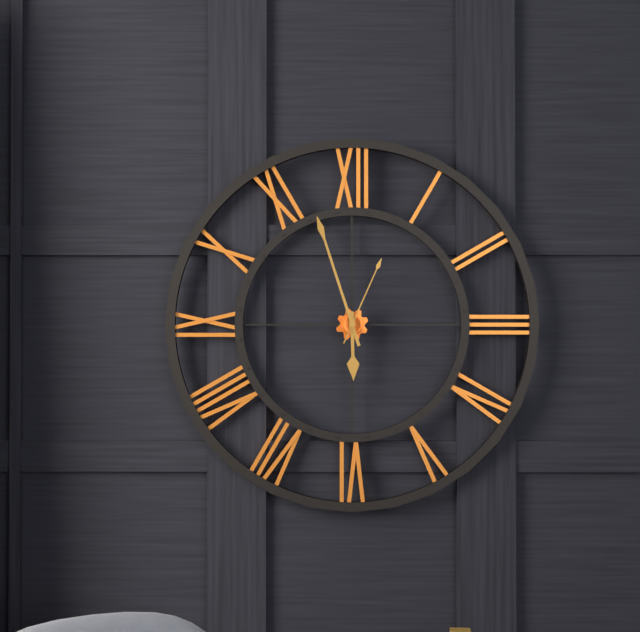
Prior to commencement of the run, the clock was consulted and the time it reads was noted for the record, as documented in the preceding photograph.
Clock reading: 5:57:04
